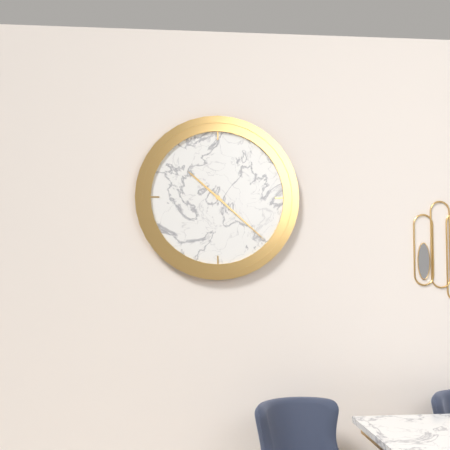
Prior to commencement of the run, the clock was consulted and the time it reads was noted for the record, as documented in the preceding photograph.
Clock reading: 10:22
